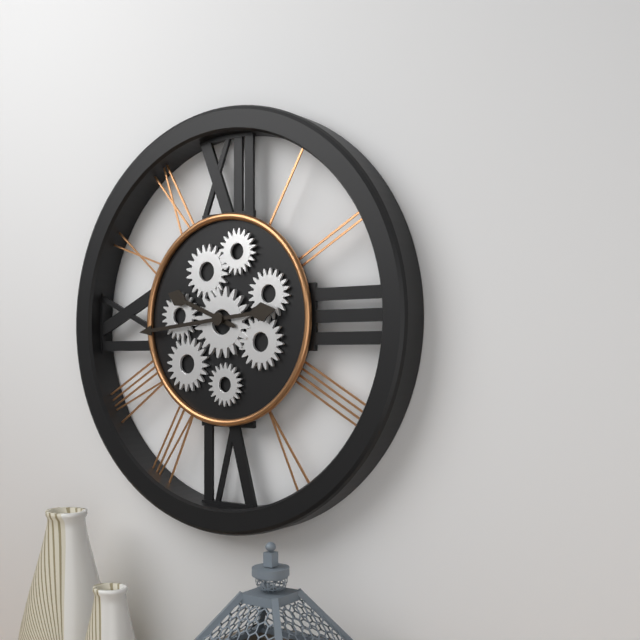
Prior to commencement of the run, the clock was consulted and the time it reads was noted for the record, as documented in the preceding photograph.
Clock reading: 9:44
